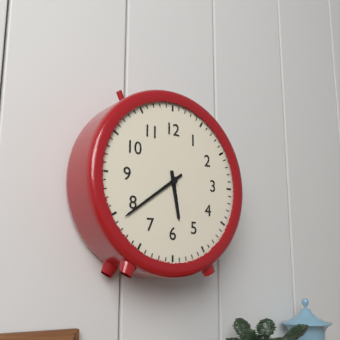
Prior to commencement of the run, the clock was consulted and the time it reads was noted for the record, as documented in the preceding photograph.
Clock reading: 5:39
